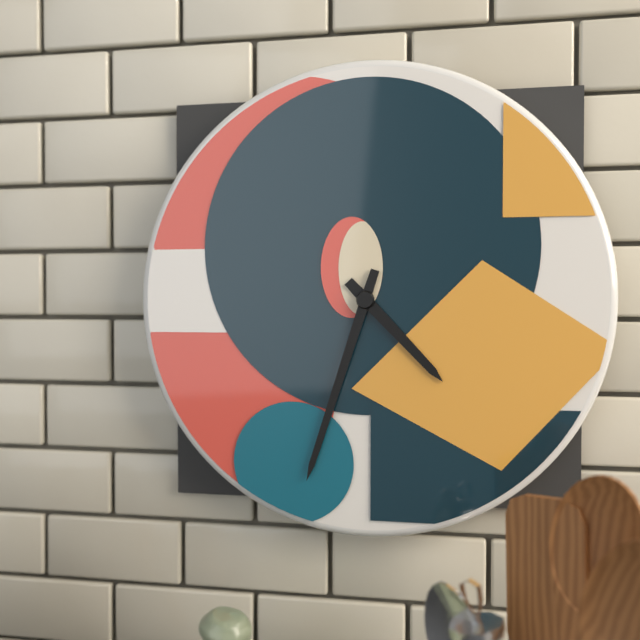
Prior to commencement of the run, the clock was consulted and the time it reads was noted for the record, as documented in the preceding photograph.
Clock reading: 4:33
